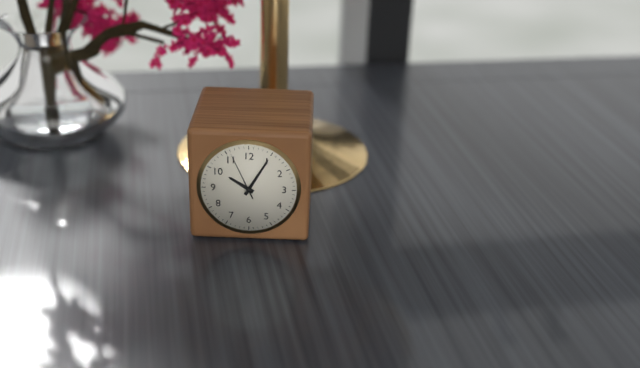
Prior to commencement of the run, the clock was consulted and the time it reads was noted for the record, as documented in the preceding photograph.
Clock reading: 10:05
